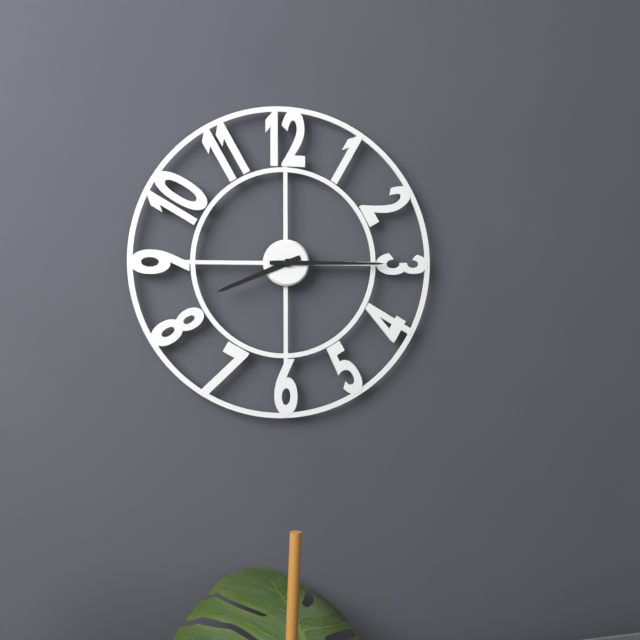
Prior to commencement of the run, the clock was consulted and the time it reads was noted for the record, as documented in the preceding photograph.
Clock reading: 8:15
